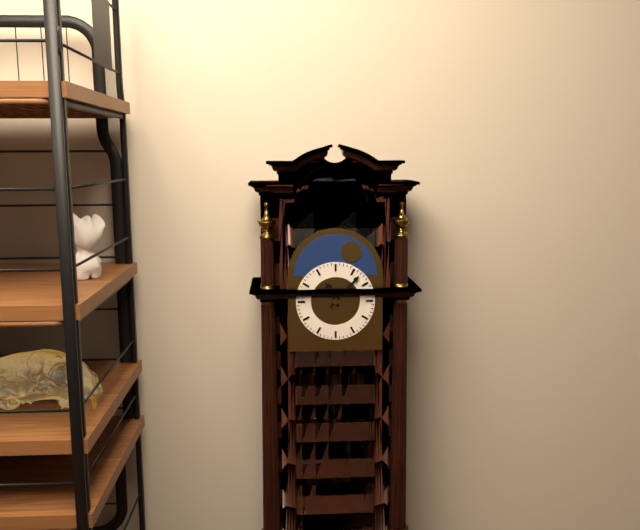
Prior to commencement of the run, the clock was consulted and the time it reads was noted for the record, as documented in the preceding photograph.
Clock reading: 11:07
